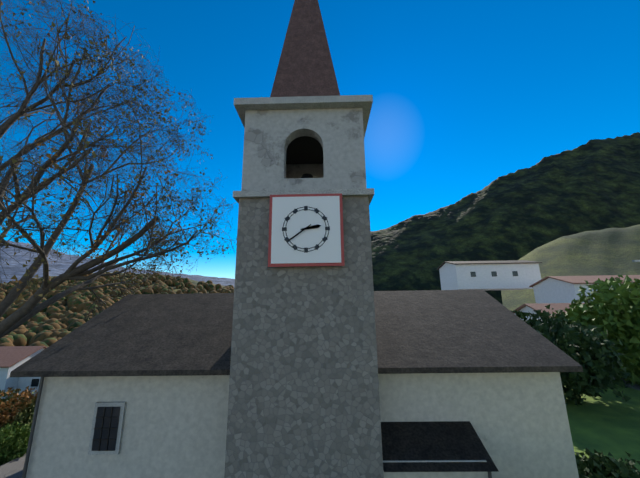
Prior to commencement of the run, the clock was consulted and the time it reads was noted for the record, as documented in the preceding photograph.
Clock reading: 2:39
